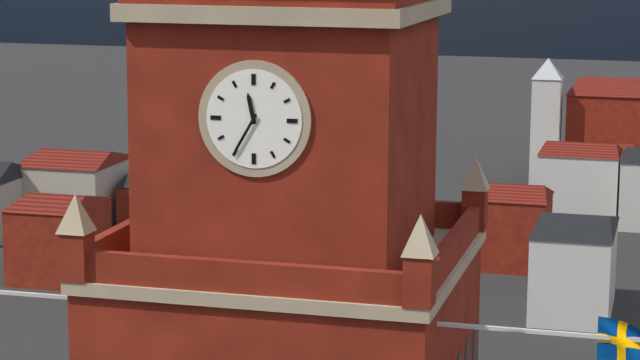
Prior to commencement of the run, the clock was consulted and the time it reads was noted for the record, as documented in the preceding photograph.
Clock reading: 11:35
